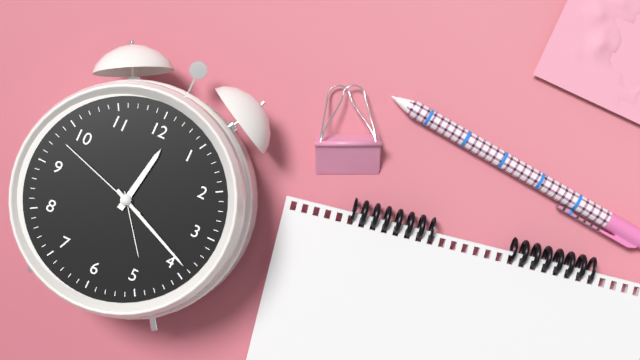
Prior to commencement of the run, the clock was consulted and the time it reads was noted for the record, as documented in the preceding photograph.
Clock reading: 12:19:48
